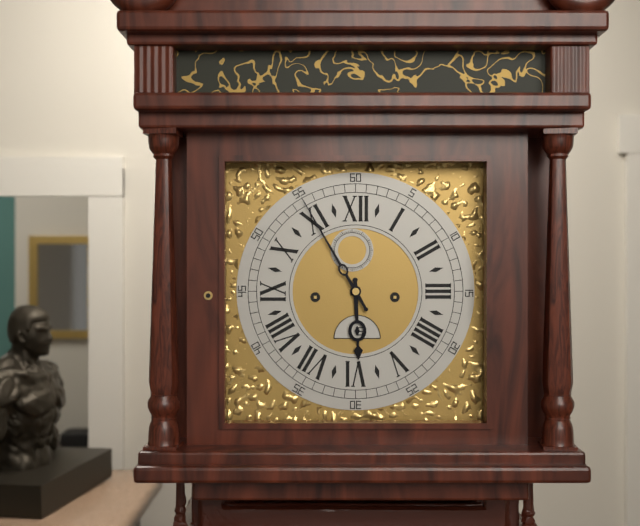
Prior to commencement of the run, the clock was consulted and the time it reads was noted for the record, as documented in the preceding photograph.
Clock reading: 5:55
